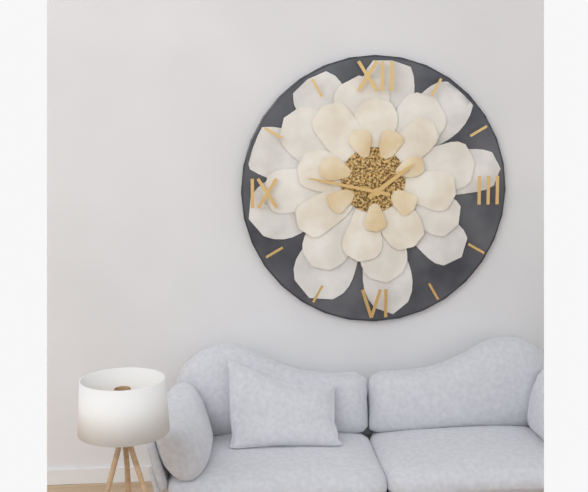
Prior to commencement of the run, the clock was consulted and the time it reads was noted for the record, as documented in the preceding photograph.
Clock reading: 1:47
